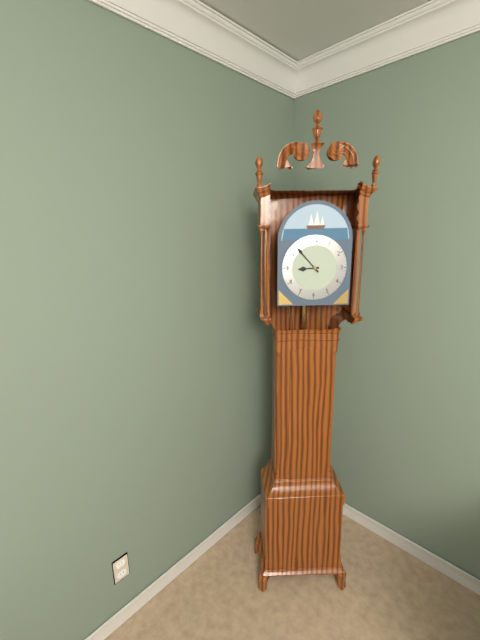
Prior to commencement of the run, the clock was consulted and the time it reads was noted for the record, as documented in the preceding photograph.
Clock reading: 8:53
